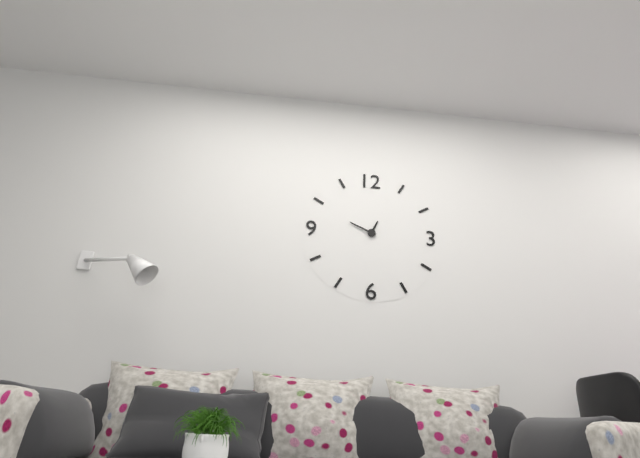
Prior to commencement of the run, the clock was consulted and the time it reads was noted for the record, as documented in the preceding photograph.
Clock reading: 12:49
